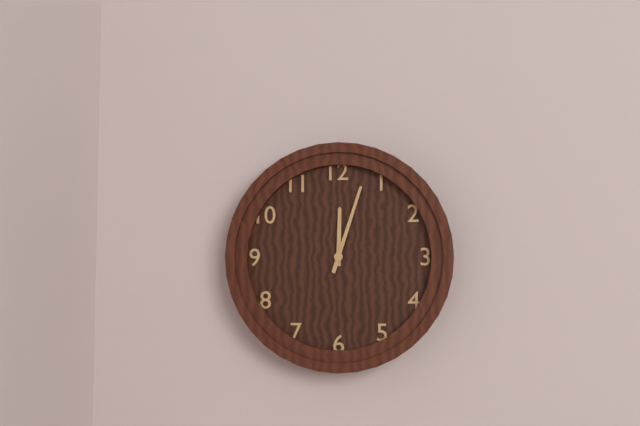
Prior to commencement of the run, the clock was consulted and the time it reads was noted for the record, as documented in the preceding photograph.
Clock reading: 12:03
